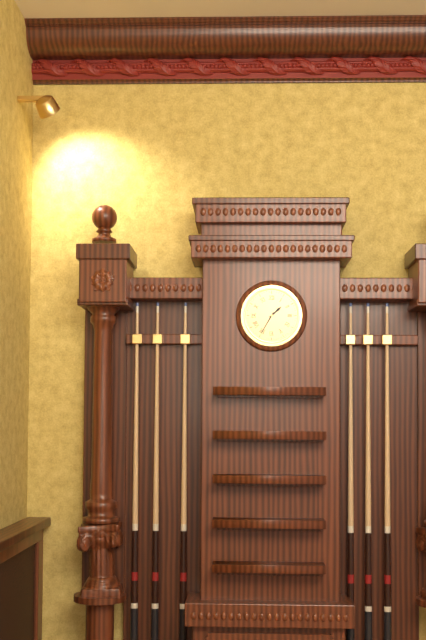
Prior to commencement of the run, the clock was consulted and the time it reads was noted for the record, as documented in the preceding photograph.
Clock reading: 1:35
